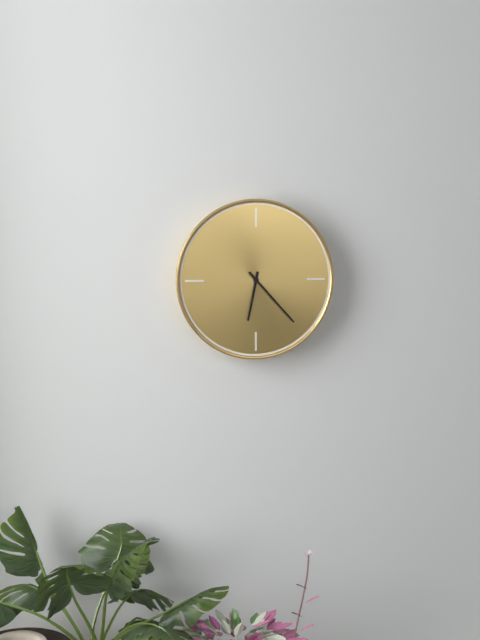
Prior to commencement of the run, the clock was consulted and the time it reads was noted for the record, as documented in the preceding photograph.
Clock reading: 6:23
